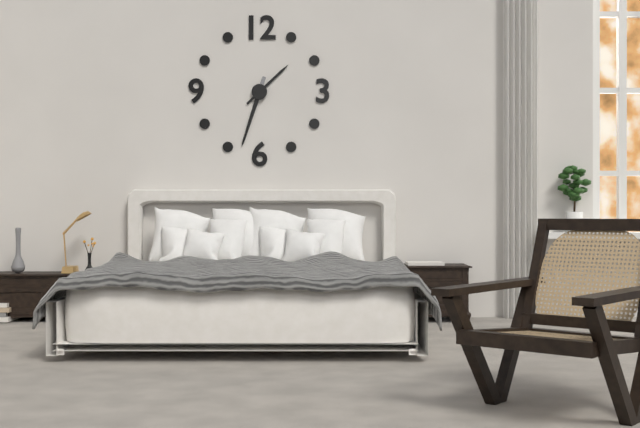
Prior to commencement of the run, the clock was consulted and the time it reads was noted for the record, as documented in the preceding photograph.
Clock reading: 1:33
